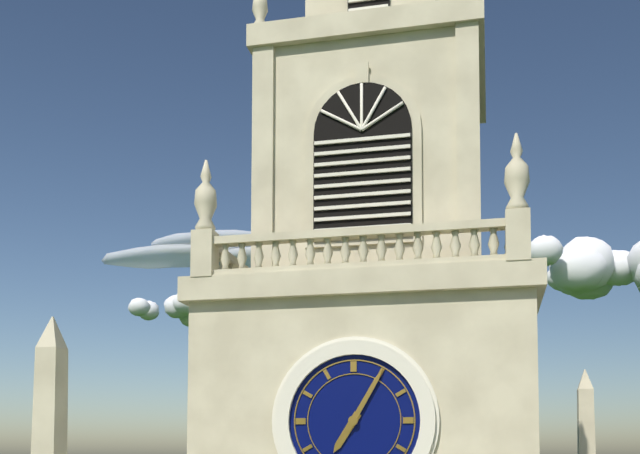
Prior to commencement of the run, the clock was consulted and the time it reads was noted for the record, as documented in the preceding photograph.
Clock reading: 7:05
